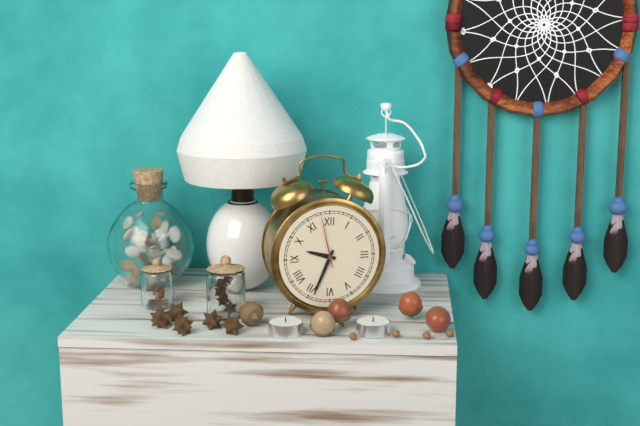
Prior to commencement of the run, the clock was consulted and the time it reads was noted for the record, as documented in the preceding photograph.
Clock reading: 9:34:58
